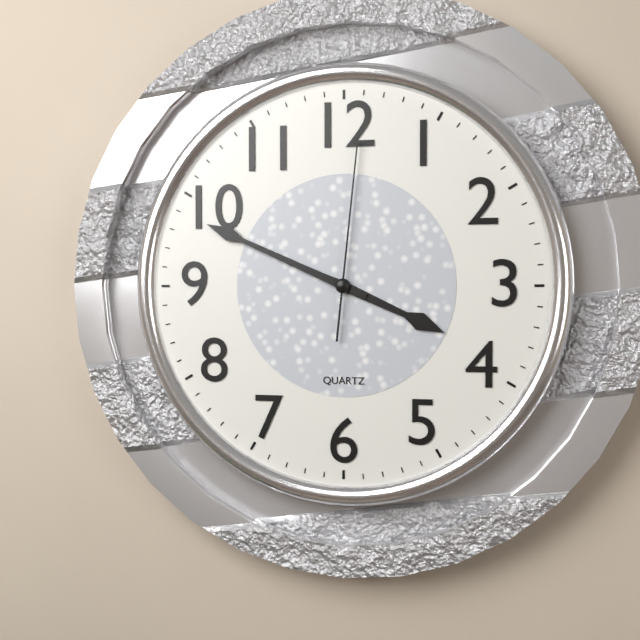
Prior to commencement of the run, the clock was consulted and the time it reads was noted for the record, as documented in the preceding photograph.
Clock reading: 3:49:01
